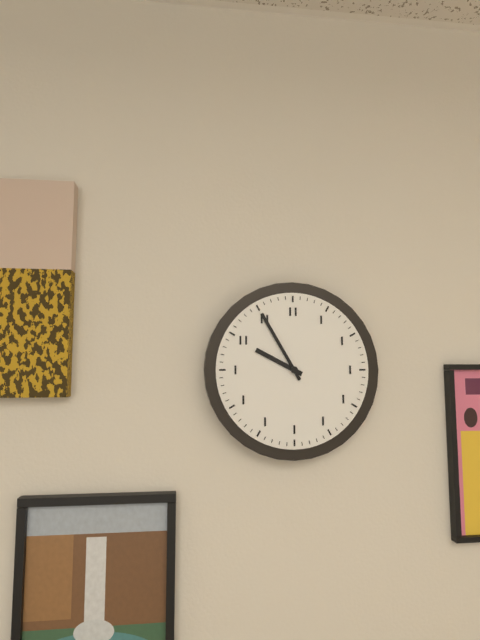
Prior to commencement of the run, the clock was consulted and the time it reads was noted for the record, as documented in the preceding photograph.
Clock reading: 9:55
